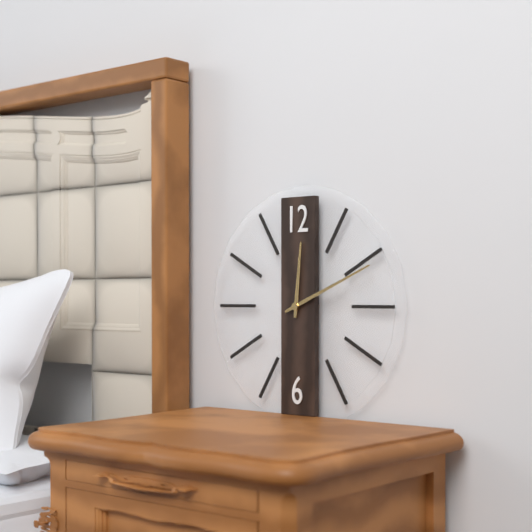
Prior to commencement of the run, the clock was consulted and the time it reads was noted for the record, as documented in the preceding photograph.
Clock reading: 12:11
